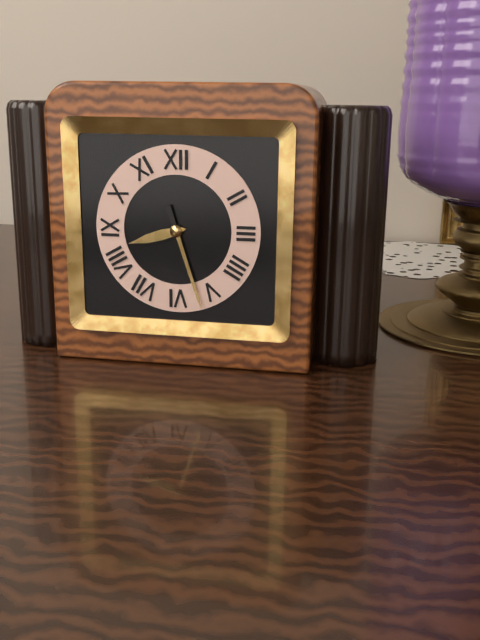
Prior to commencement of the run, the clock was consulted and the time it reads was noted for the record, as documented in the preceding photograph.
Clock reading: 8:27
